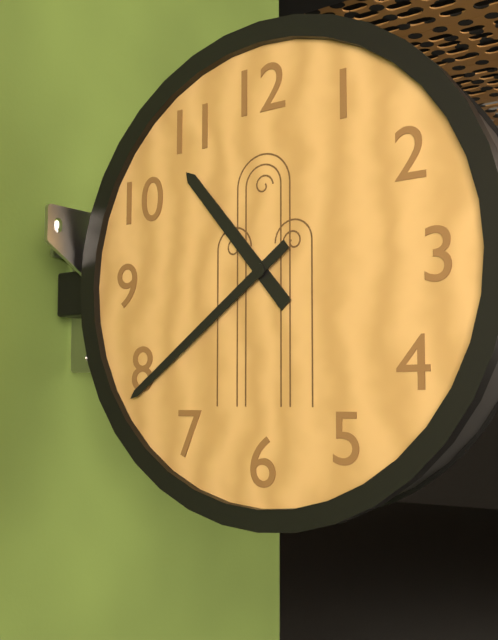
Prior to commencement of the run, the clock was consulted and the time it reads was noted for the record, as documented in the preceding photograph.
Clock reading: 10:39
